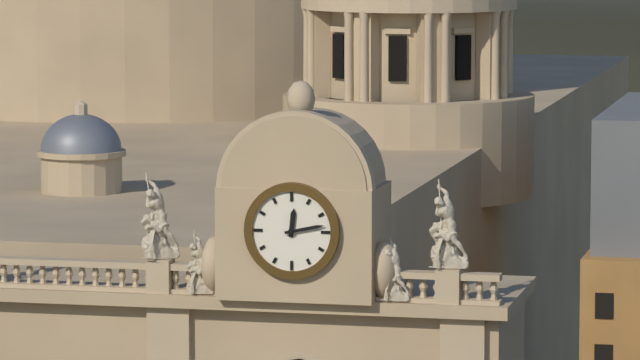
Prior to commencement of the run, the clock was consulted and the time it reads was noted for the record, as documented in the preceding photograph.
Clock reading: 12:13
